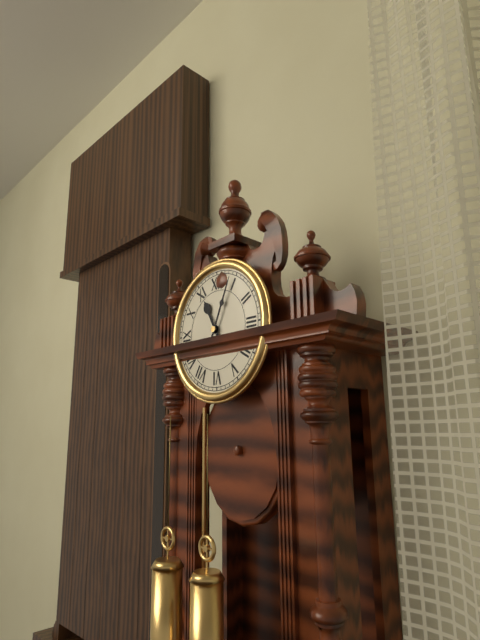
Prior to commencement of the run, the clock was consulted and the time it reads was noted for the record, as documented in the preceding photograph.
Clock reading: 11:04
